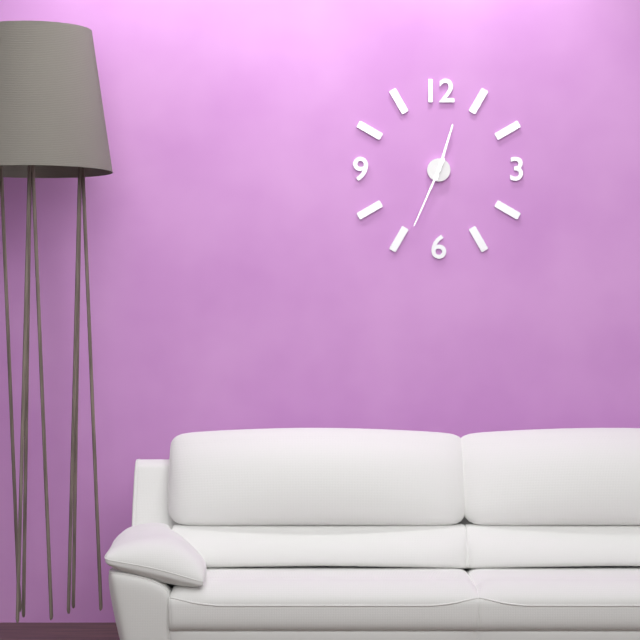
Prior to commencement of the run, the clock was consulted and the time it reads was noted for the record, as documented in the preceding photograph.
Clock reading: 12:34
